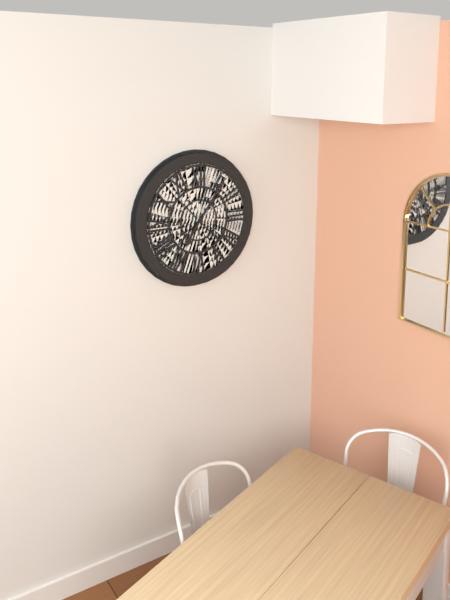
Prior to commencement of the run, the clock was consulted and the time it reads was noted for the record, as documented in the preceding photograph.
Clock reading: 7:06
